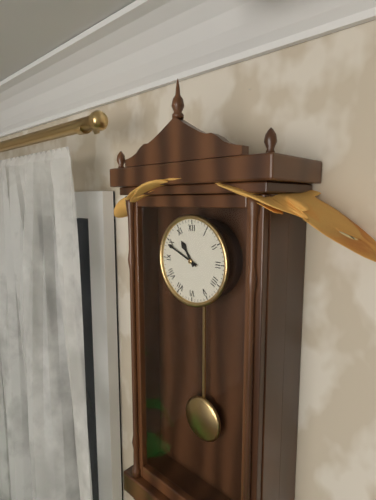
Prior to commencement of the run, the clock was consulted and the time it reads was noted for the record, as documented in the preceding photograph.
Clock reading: 10:49
